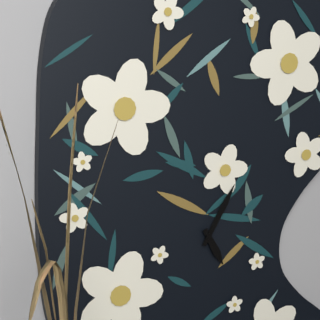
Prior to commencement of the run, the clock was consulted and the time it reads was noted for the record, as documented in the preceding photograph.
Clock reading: 5:05
